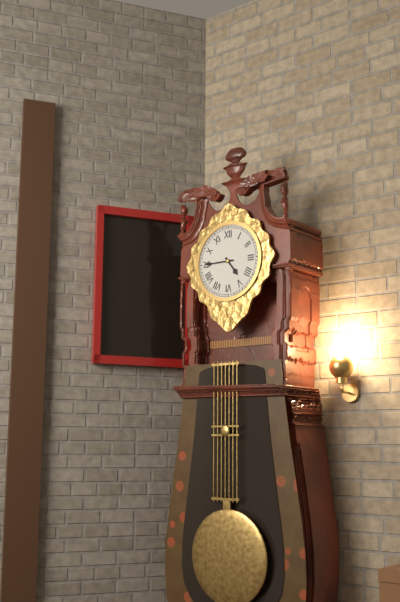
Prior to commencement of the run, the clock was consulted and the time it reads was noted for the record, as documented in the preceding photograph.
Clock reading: 4:45
